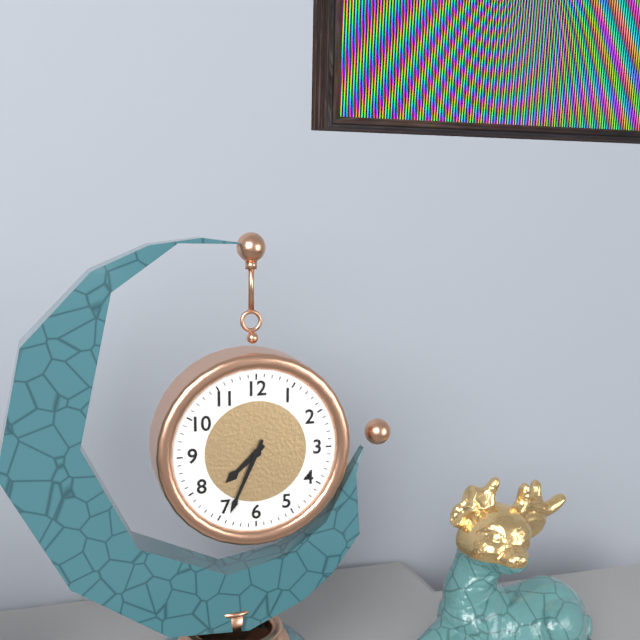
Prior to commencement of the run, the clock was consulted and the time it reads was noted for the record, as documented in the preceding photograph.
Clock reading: 7:34
